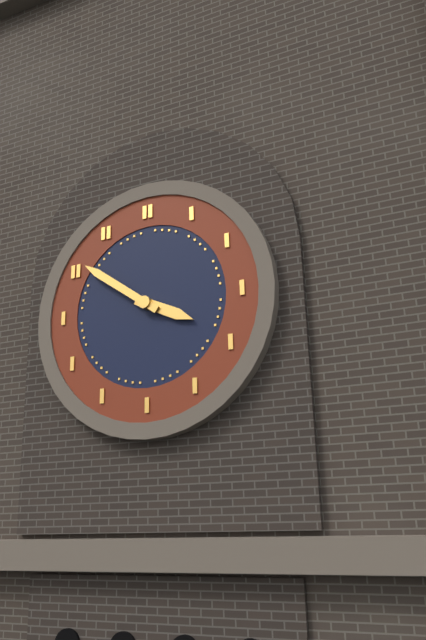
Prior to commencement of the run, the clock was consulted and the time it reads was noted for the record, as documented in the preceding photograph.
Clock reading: 3:51
